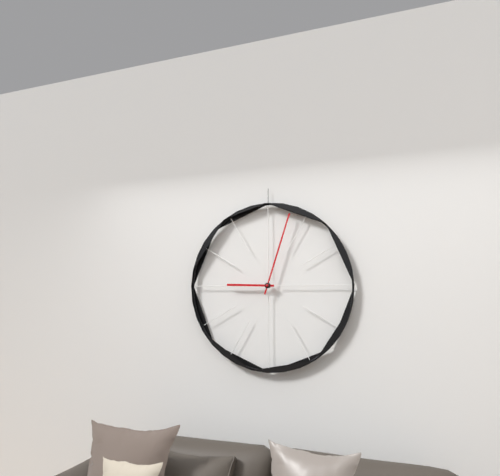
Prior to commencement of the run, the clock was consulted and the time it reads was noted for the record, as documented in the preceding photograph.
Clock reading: 9:03
